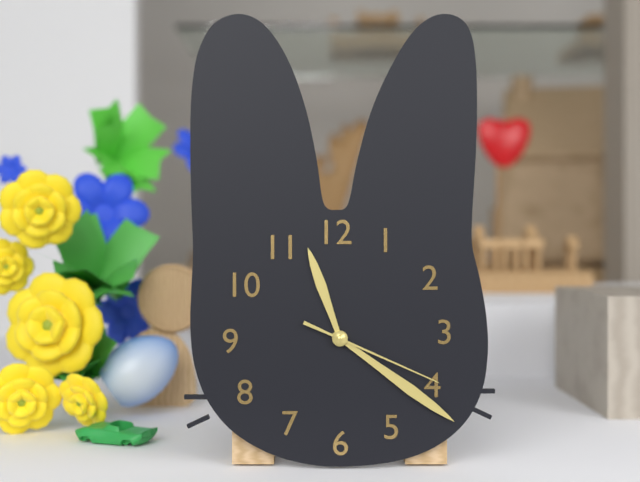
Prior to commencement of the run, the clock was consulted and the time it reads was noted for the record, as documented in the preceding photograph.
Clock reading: 11:21:19
